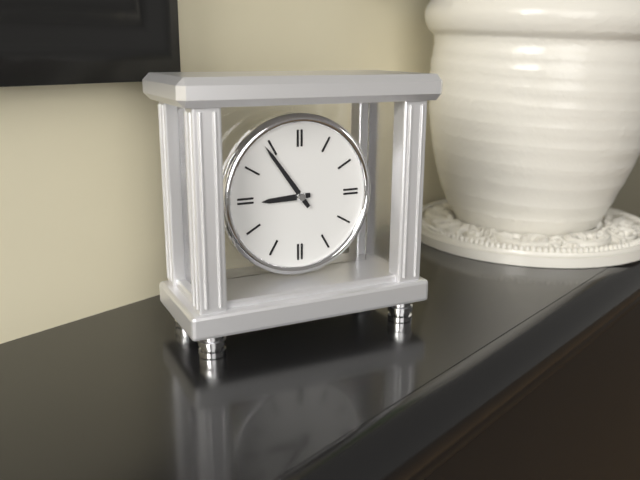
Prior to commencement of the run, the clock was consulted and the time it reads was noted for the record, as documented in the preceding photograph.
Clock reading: 8:54
